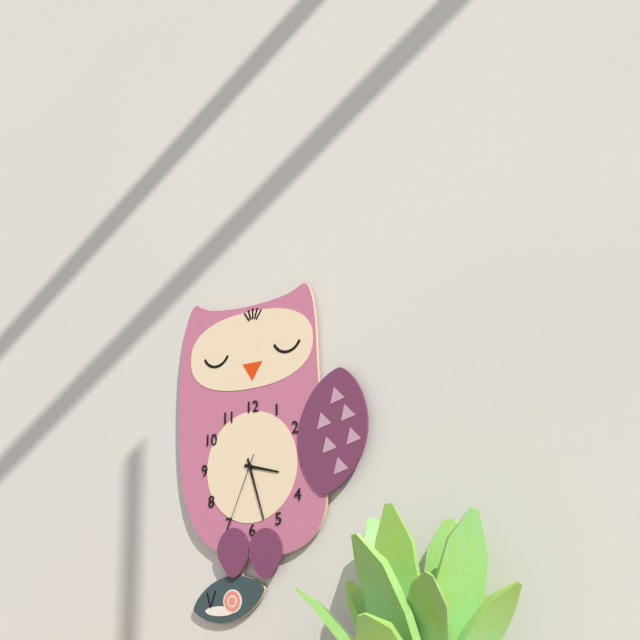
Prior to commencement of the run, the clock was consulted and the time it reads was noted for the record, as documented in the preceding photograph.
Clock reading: 3:27:34
